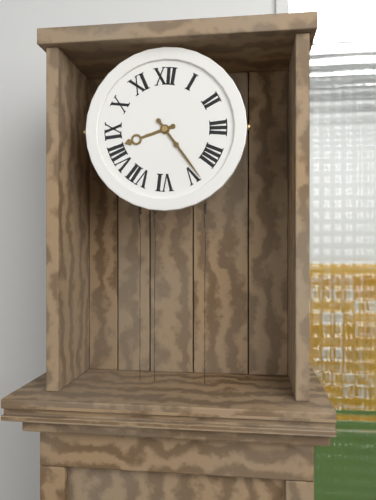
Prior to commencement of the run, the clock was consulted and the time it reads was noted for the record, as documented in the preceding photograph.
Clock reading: 8:24
